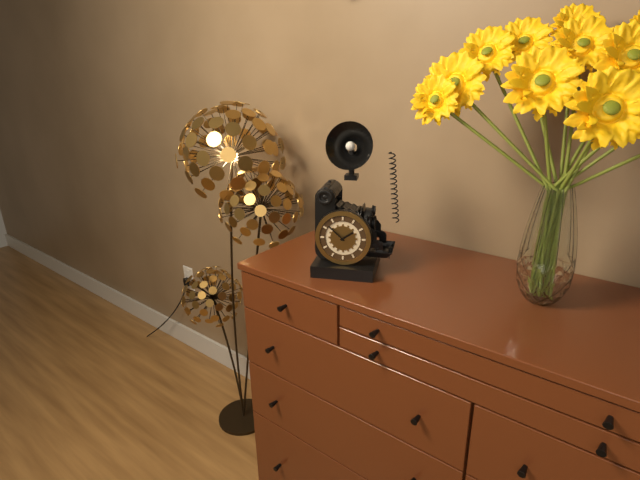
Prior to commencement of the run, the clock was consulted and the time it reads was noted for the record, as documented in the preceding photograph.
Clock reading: 1:52
